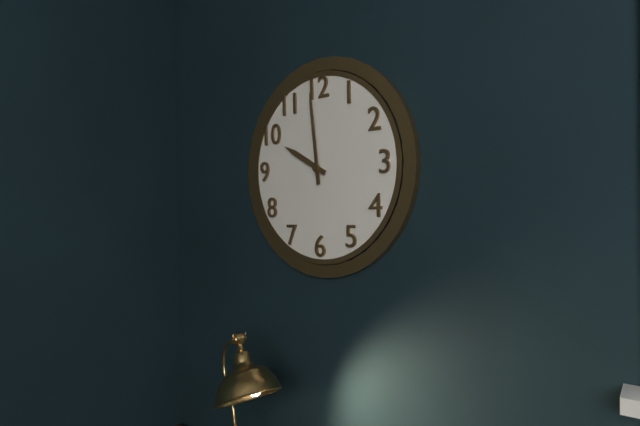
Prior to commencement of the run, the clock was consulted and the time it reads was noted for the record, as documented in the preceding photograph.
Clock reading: 9:59
